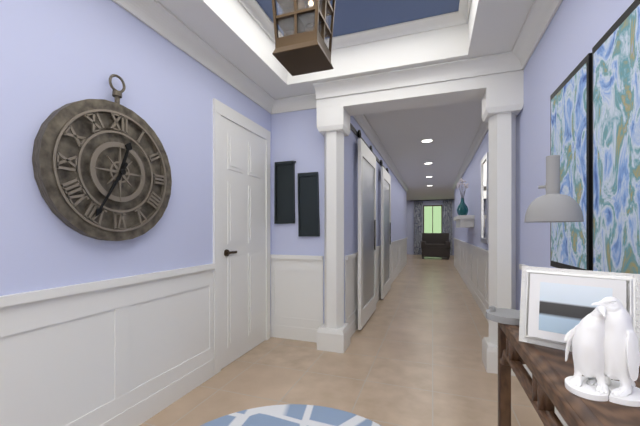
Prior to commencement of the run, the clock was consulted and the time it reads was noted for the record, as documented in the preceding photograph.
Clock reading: 12:35
